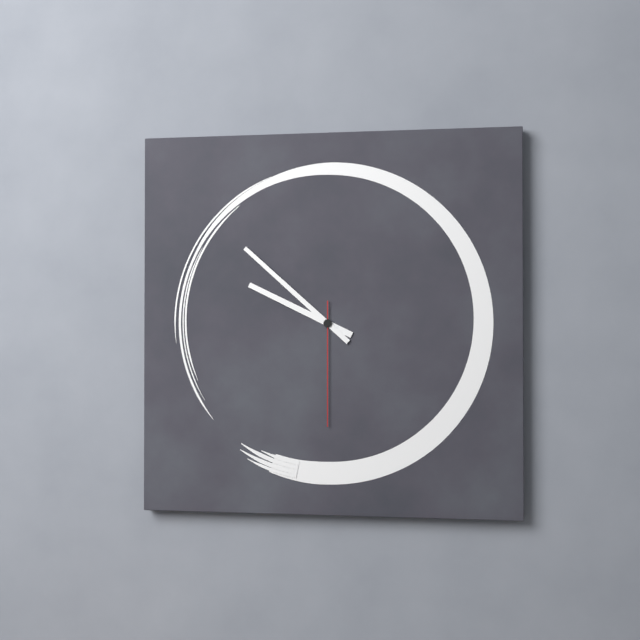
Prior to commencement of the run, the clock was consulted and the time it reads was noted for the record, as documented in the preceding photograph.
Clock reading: 9:52:30
